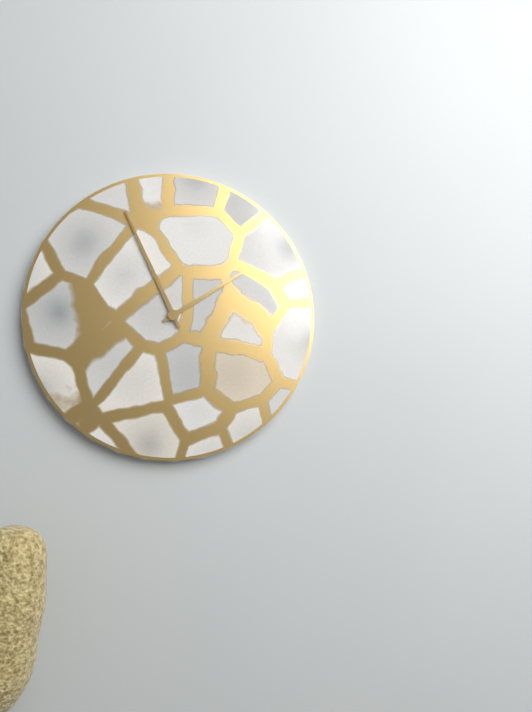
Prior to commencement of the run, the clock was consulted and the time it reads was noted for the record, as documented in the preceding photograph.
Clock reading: 1:56
